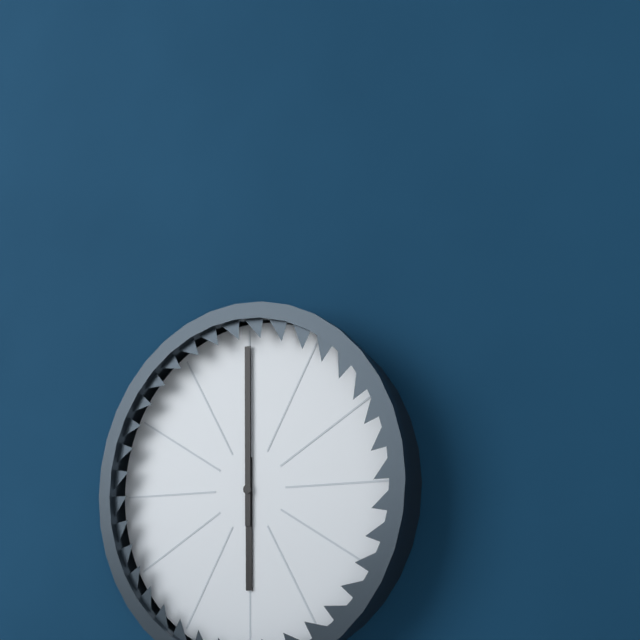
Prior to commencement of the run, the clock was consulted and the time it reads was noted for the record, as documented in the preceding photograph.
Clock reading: 6:00
